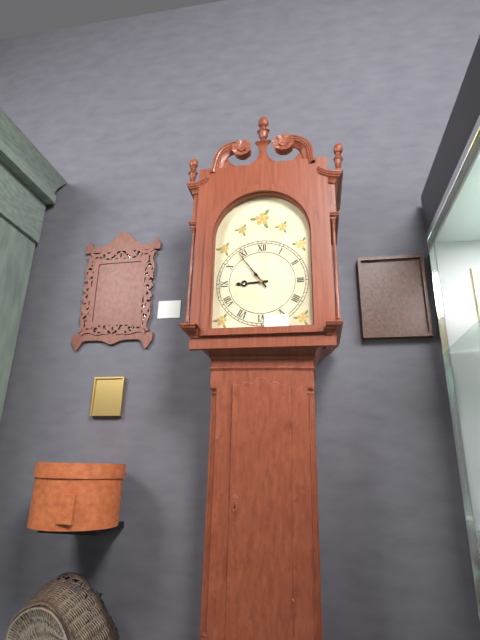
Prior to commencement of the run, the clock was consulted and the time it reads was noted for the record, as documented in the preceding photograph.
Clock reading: 8:54
